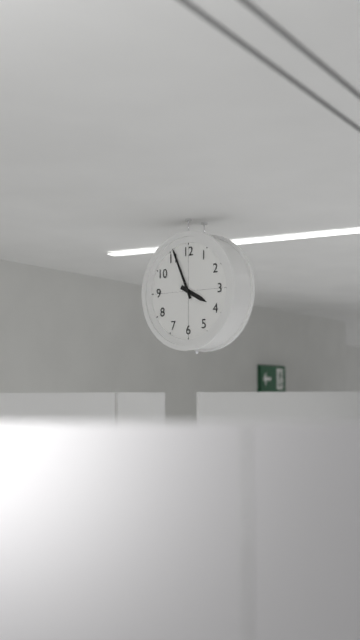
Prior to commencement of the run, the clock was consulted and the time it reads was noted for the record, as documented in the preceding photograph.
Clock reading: 3:56
